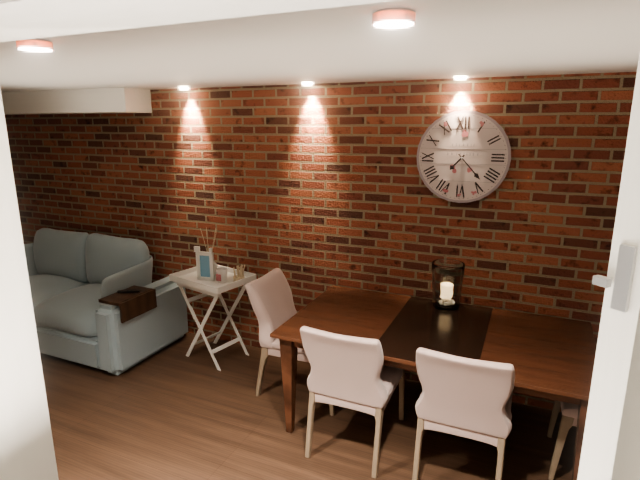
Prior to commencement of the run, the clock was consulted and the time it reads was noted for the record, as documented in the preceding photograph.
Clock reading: 7:23
